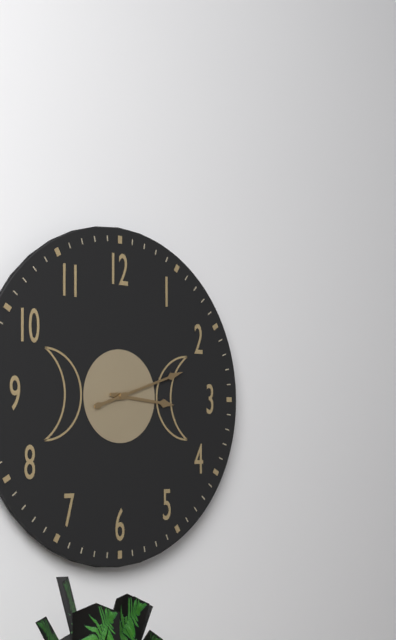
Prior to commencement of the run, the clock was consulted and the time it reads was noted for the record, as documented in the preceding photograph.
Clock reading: 3:12
